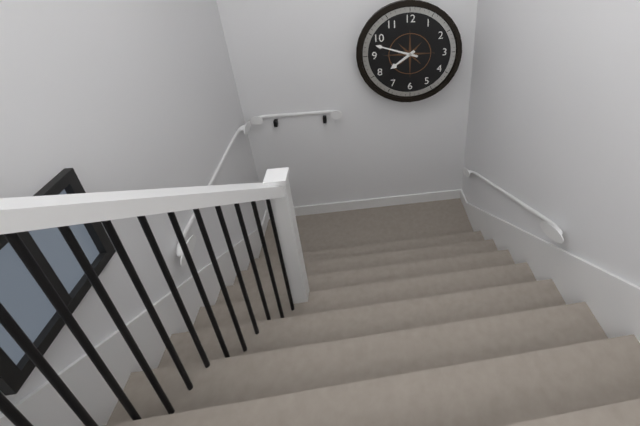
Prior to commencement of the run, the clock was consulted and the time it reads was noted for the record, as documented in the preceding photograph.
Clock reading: 7:48
